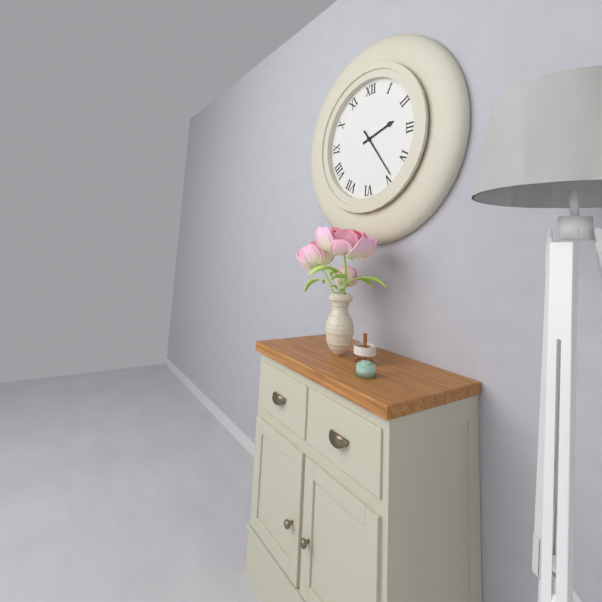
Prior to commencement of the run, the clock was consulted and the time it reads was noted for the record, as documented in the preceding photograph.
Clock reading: 2:24
